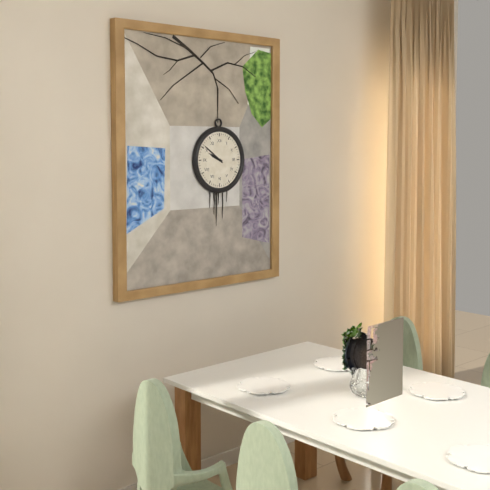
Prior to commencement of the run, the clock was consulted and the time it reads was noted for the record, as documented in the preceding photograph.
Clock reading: 9:51
